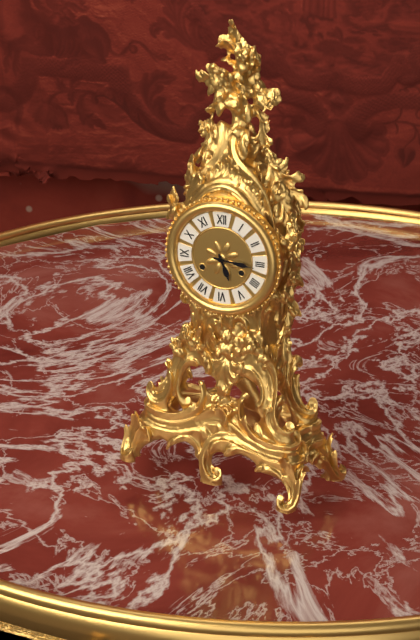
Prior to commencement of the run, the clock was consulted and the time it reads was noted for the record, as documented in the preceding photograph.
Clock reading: 5:16
